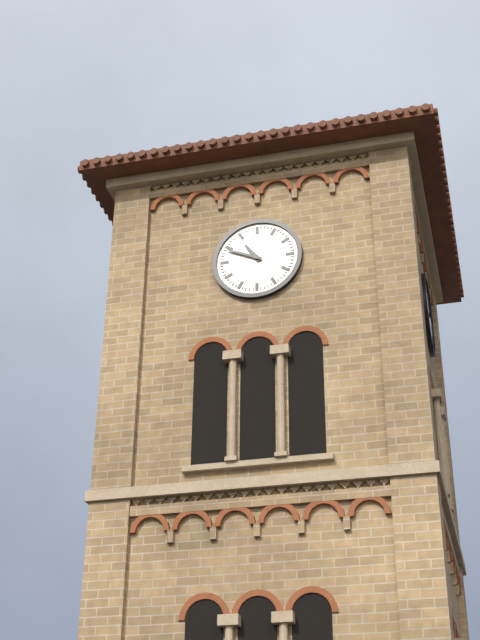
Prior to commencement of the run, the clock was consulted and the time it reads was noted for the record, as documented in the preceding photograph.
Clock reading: 10:49
